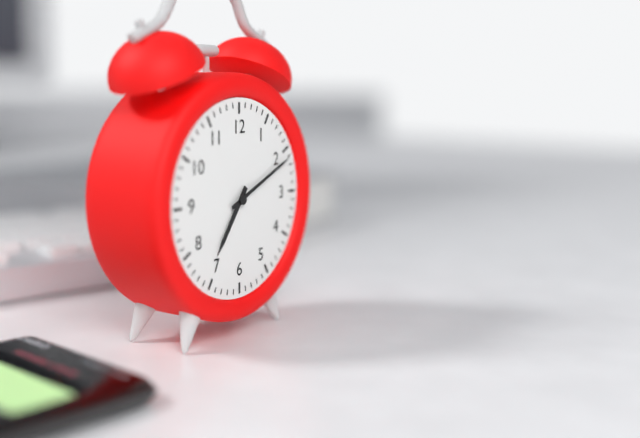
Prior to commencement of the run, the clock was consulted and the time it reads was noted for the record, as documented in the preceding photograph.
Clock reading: 7:11
